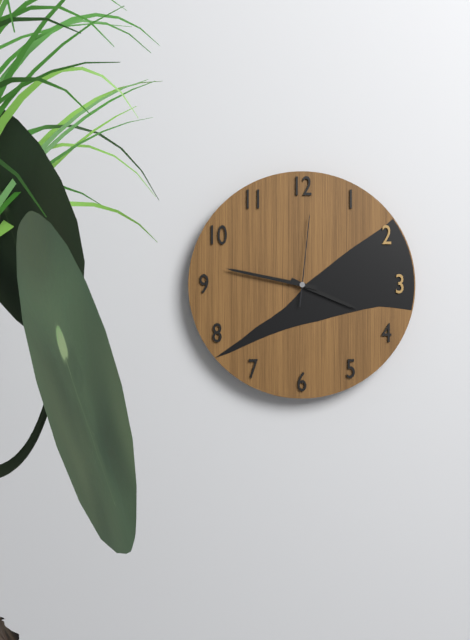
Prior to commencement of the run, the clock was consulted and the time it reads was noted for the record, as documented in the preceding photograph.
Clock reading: 3:47:01
